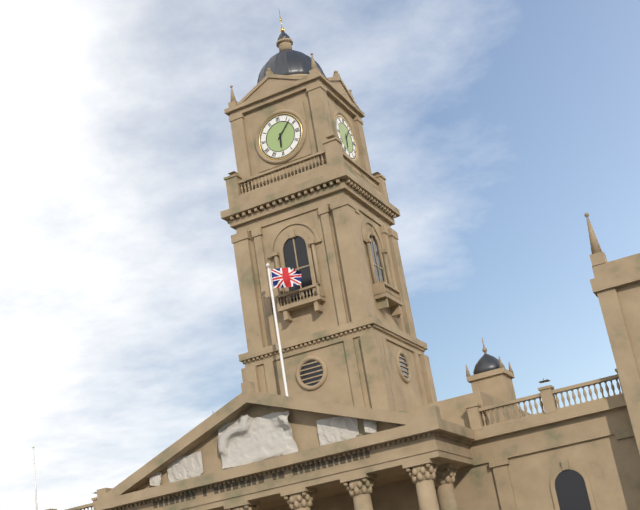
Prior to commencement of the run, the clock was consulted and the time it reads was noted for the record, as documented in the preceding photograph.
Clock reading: 6:07
